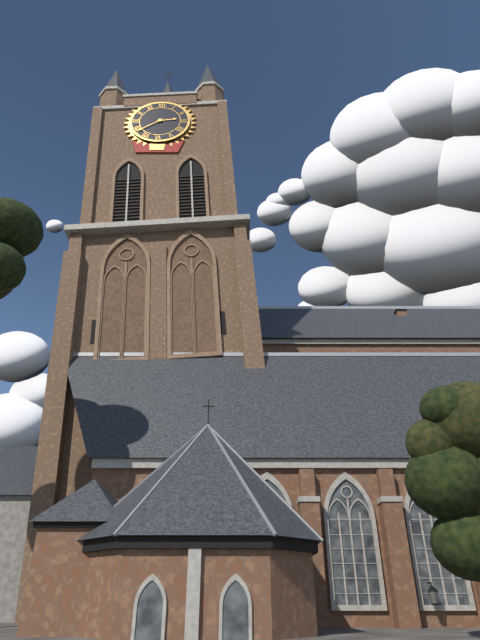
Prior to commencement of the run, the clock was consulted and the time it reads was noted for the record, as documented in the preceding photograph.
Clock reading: 2:39
